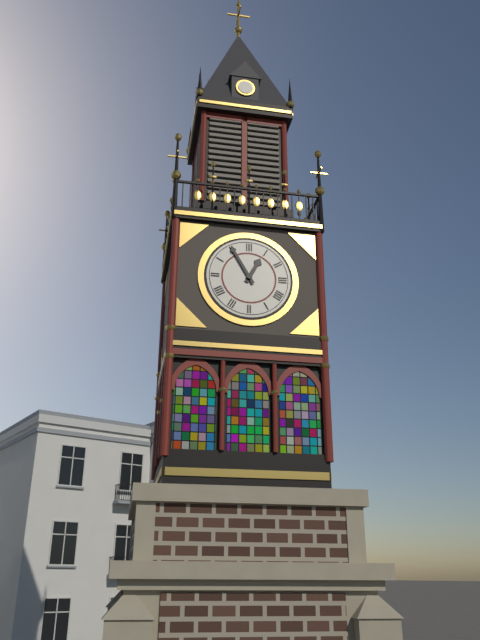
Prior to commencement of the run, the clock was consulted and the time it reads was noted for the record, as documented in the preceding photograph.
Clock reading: 12:55
